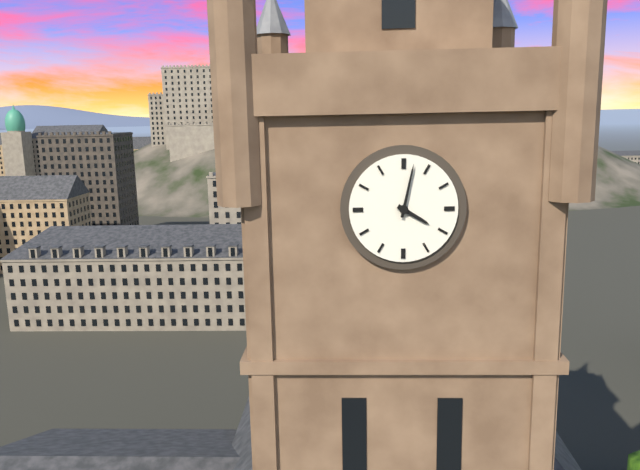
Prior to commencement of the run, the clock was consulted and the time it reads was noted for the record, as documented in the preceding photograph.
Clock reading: 4:02
